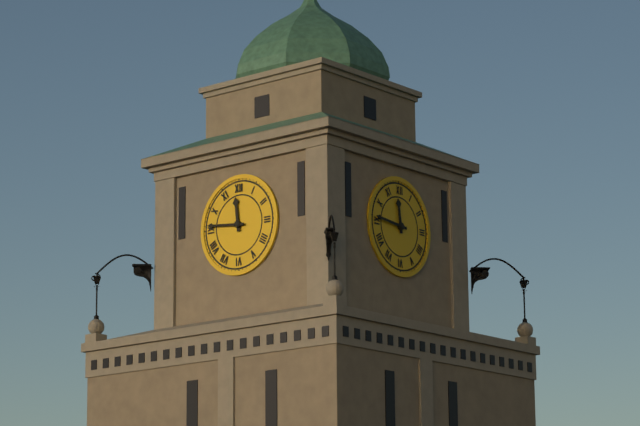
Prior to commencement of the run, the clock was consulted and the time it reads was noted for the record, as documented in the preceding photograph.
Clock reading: 11:46
